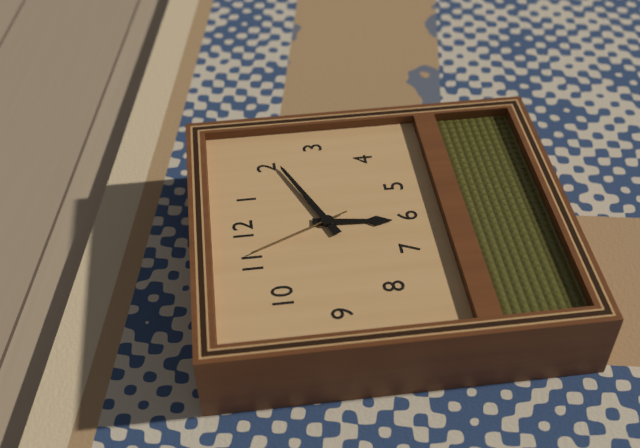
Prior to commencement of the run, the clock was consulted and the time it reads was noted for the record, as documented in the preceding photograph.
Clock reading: 6:11:56
